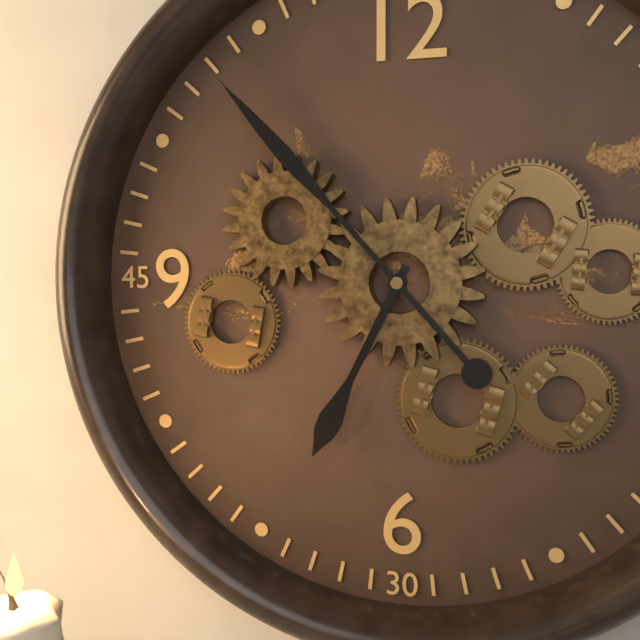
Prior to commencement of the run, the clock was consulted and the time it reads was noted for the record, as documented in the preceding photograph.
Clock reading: 6:53
